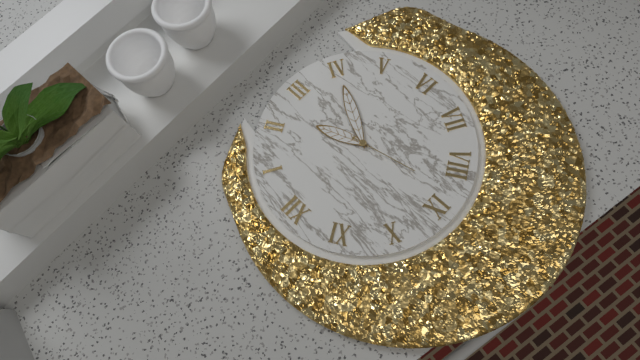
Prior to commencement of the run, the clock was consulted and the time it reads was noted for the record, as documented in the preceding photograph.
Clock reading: 2:20:43
